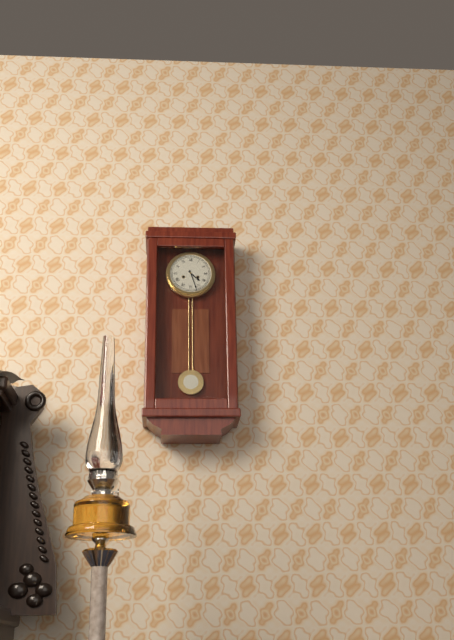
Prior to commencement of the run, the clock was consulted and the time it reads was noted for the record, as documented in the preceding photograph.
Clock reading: 4:27
